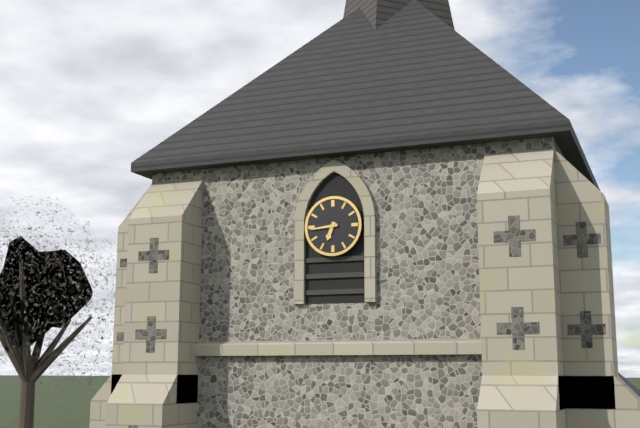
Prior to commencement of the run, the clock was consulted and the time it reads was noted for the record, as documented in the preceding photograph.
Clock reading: 6:44
